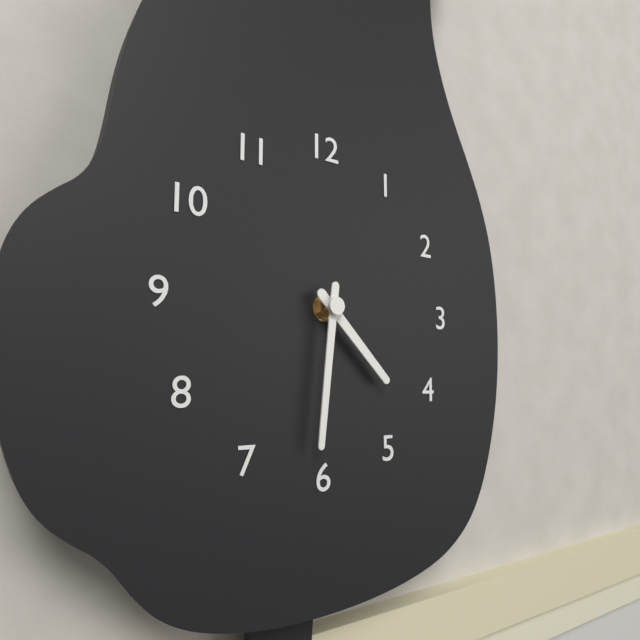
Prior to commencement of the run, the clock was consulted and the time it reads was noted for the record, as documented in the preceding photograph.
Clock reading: 4:31
